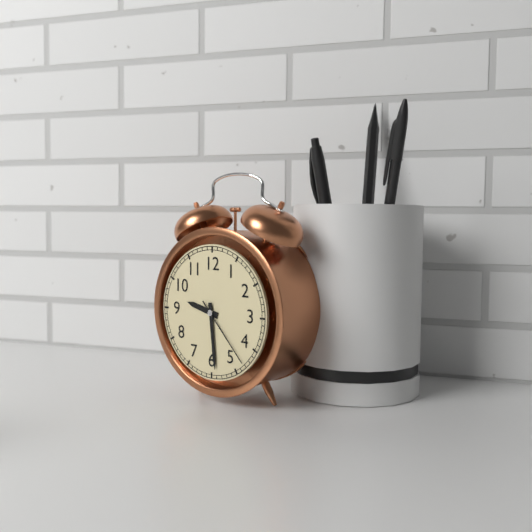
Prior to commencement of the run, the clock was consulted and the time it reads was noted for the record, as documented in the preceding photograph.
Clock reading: 9:29:23
